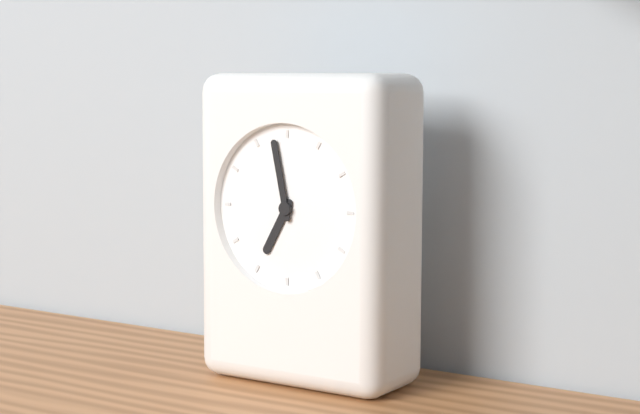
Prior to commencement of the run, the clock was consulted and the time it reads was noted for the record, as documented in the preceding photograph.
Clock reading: 6:58
